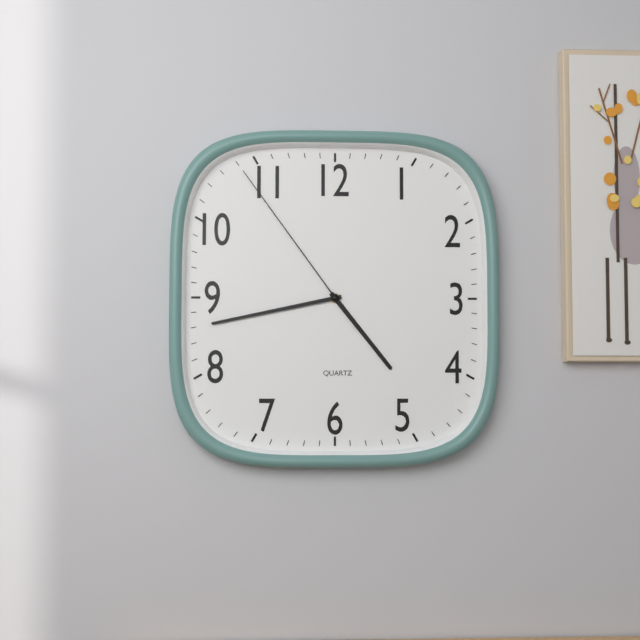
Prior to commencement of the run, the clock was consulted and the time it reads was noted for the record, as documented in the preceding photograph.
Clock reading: 4:43:54
